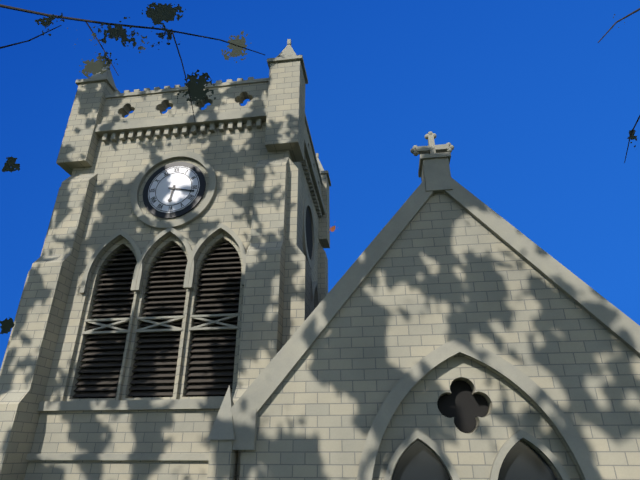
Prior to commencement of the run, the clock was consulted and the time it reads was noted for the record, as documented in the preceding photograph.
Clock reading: 6:17
